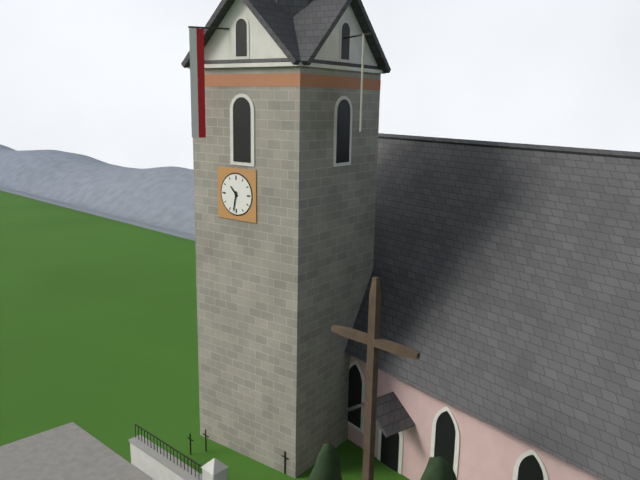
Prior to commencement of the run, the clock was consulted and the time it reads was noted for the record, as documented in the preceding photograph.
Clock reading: 10:32
